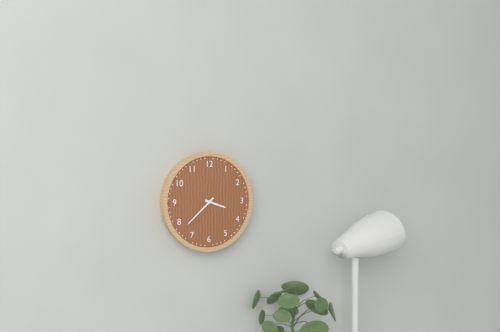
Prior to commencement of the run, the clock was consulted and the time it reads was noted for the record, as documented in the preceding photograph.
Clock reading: 3:38
